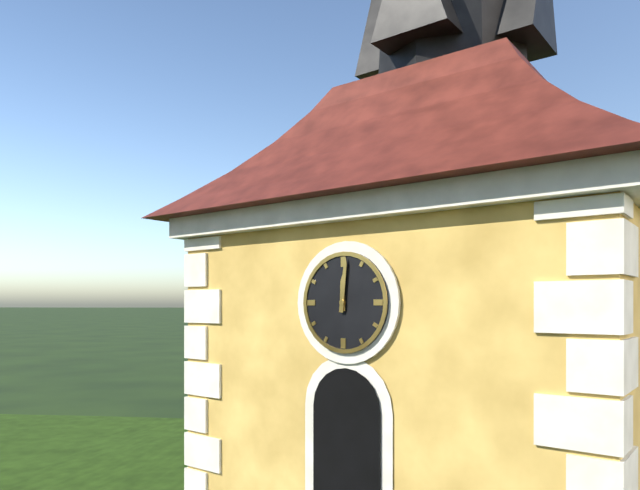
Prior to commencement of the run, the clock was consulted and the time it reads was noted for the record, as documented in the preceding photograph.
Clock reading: 12:01
